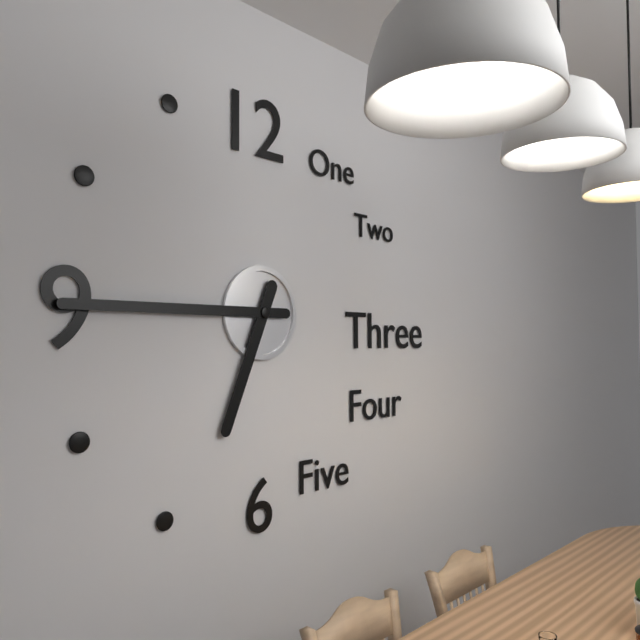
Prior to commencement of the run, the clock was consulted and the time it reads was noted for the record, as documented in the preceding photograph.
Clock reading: 6:45
